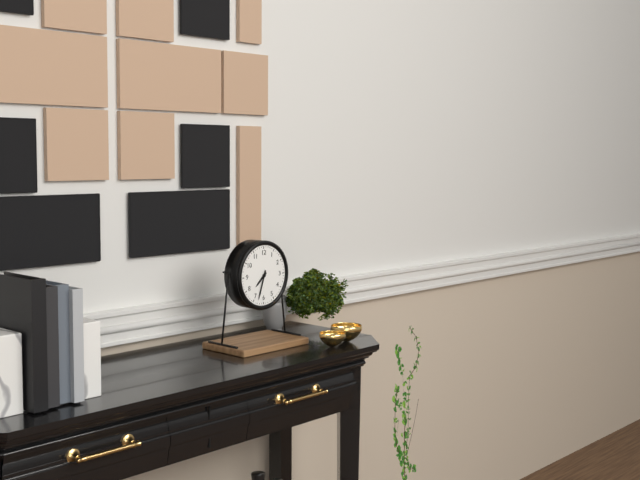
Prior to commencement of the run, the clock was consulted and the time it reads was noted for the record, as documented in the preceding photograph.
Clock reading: 7:33
